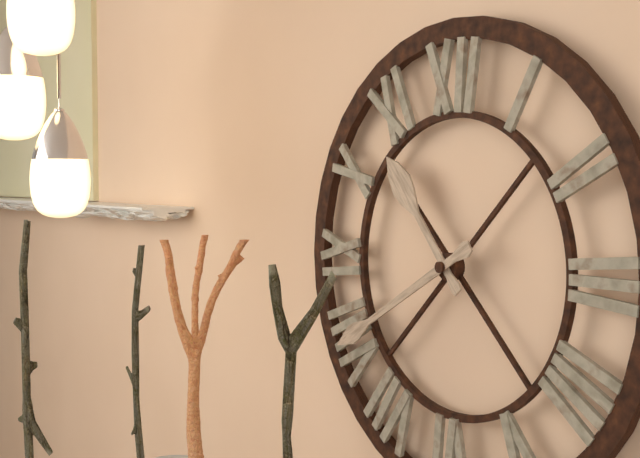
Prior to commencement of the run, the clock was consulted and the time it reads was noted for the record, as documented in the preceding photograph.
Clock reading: 10:40
